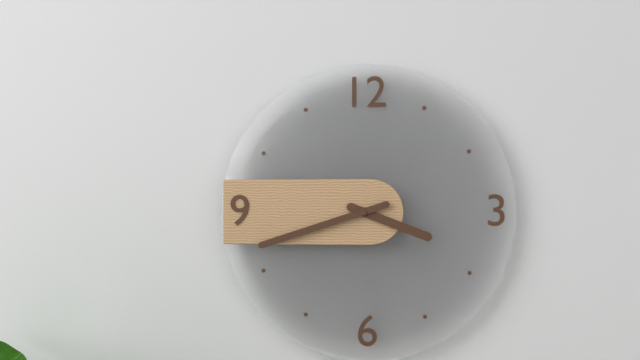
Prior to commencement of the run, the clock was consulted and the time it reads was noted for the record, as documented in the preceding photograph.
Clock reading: 3:42
